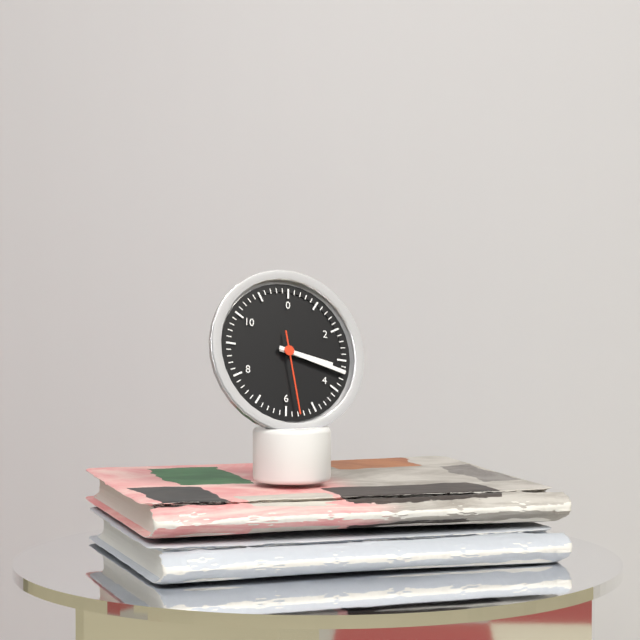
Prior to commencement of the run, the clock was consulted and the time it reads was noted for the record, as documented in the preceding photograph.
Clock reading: 3:17:28
